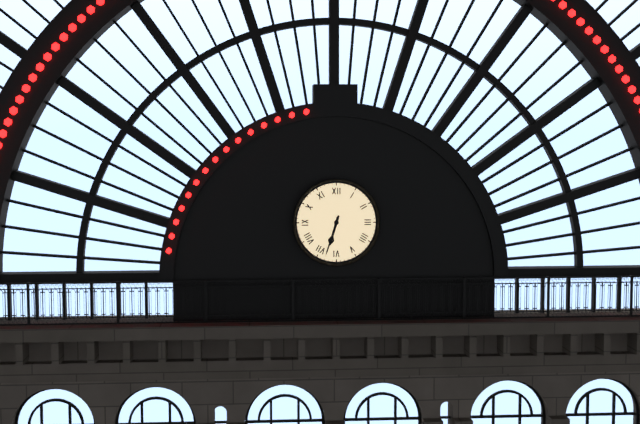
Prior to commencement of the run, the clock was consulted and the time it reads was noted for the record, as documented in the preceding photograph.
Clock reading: 6:33
